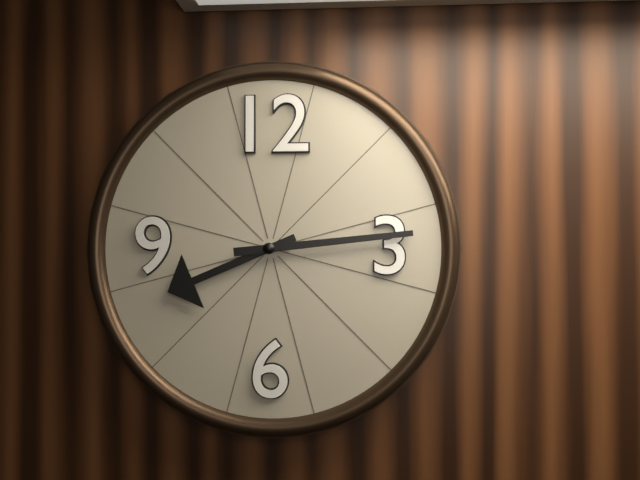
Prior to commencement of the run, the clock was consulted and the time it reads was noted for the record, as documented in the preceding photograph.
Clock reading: 8:14
